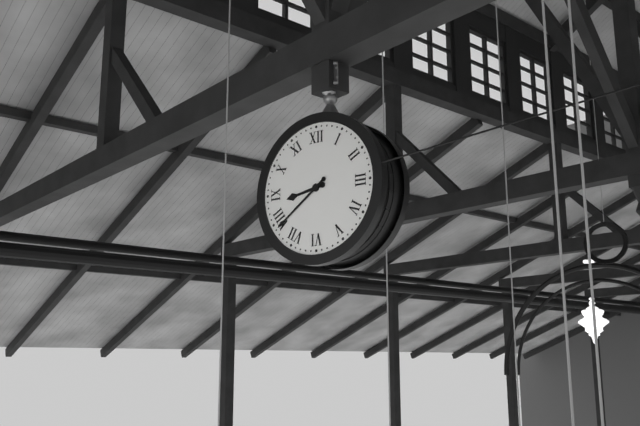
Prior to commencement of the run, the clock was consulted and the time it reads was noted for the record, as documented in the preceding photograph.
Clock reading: 8:39
